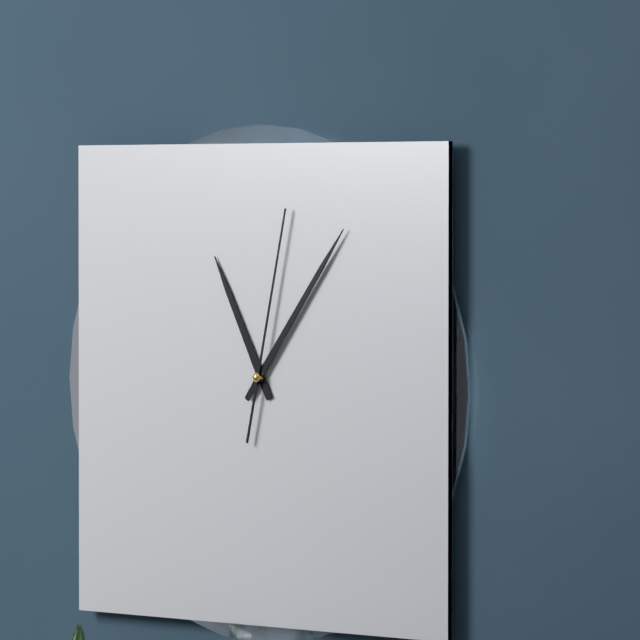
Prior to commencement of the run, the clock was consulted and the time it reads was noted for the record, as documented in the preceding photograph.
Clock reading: 11:06:02
